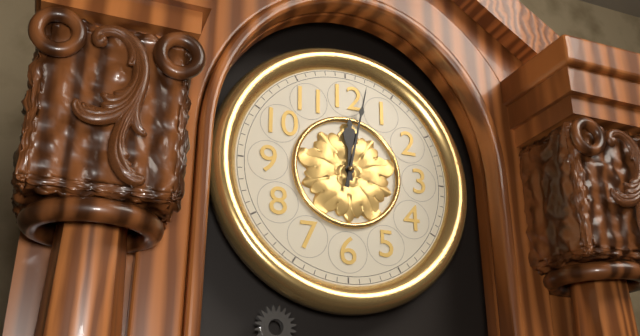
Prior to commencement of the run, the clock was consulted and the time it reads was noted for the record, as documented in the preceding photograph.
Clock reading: 12:02
